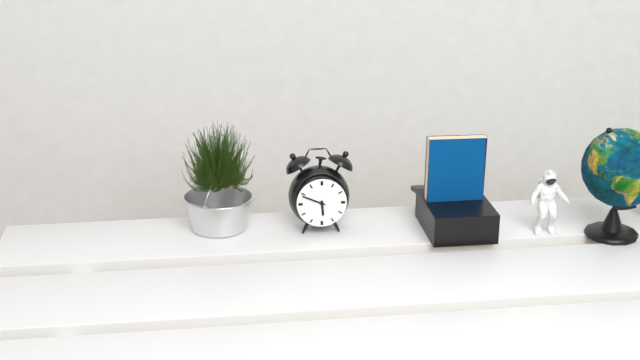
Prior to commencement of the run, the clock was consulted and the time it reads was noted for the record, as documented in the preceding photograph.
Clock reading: 5:49
